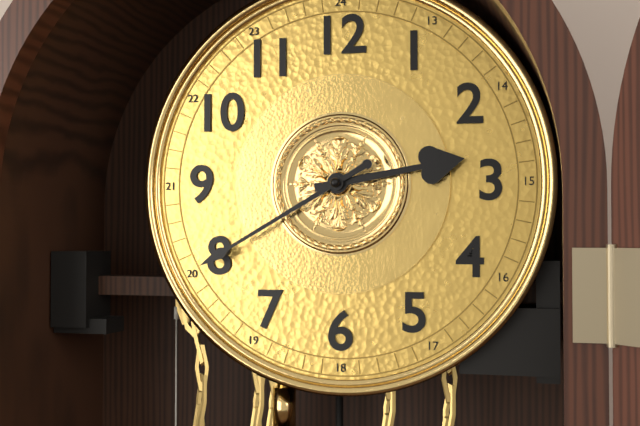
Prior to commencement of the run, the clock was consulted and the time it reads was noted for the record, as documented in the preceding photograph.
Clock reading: 2:40
